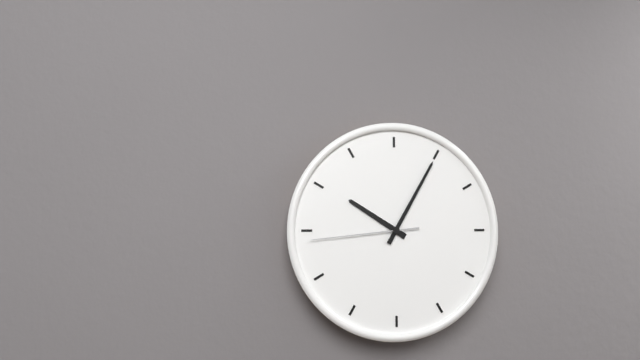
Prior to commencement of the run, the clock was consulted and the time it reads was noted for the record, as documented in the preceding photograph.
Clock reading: 10:05:44
